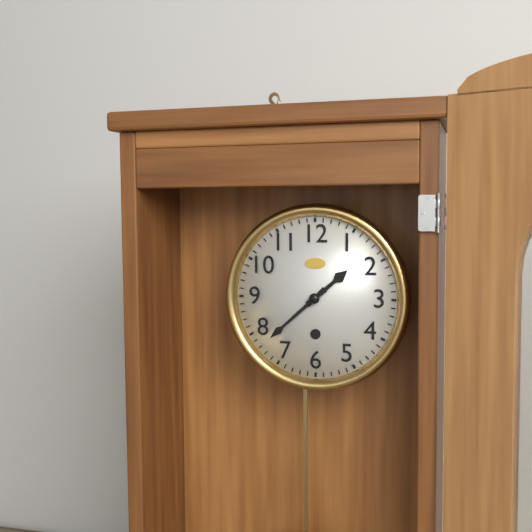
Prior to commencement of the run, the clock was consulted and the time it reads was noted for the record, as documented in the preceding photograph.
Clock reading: 1:38
